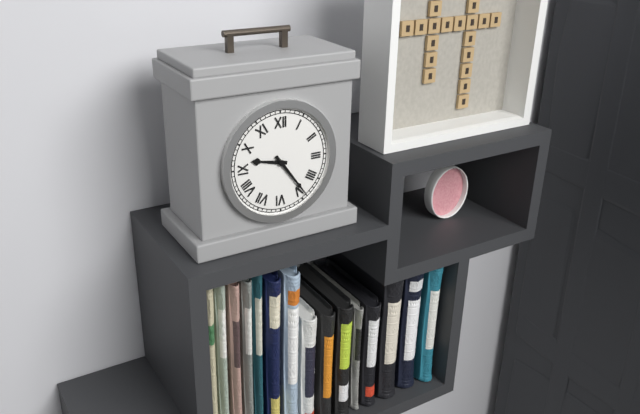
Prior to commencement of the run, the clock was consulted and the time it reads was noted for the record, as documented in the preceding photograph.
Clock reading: 9:24
